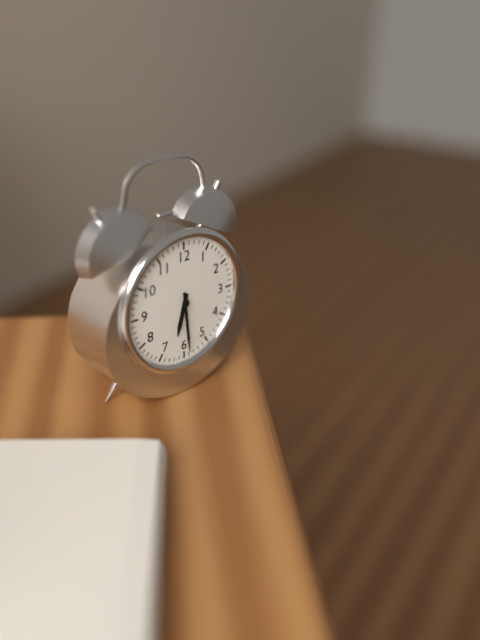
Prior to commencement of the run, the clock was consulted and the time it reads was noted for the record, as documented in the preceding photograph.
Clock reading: 6:29
